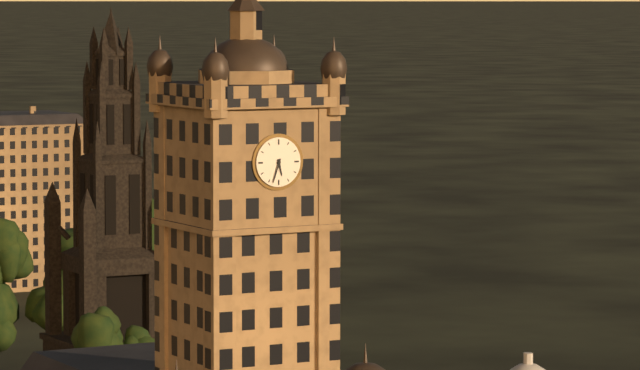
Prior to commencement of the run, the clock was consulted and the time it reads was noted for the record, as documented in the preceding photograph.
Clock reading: 5:33
